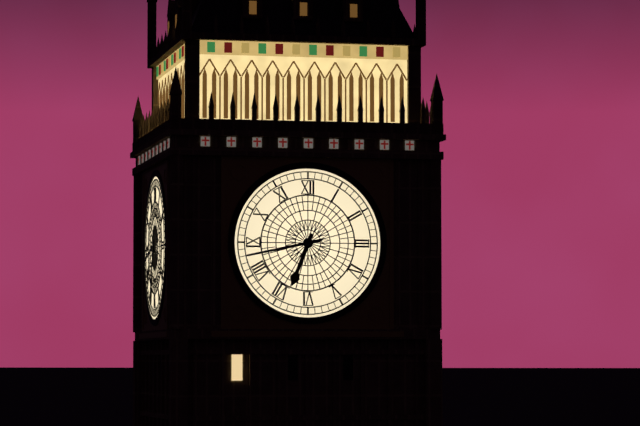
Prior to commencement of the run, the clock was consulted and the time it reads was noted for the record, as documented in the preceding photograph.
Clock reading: 6:43
